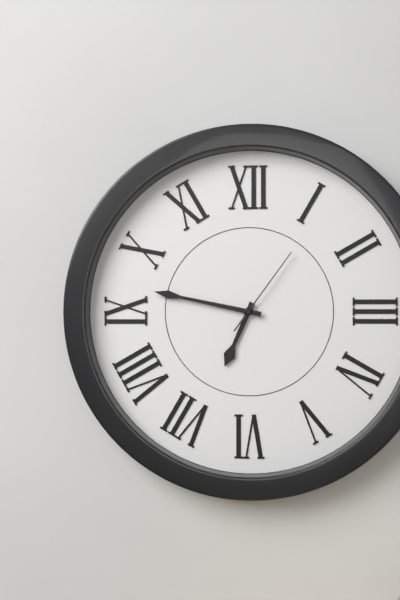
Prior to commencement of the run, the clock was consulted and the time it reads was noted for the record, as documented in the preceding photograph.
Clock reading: 6:47:06
